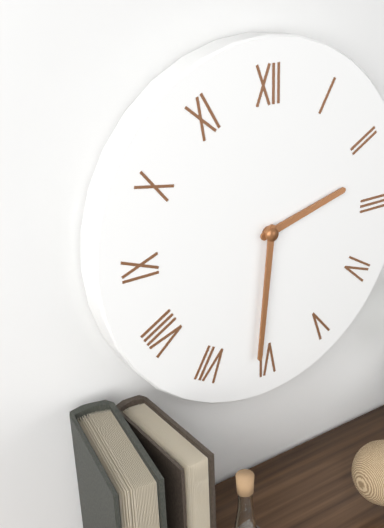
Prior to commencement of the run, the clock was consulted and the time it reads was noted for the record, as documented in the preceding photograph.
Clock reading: 2:31
